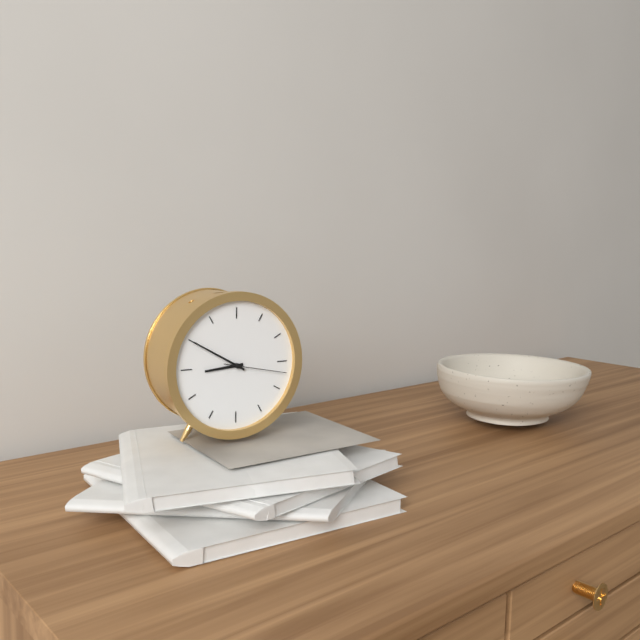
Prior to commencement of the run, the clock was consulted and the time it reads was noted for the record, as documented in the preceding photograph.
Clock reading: 8:50:17
